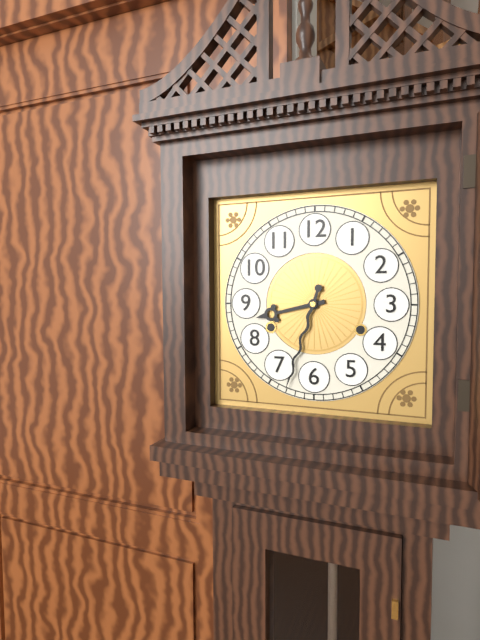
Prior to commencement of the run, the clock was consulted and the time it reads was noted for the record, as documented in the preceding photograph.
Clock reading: 8:33
